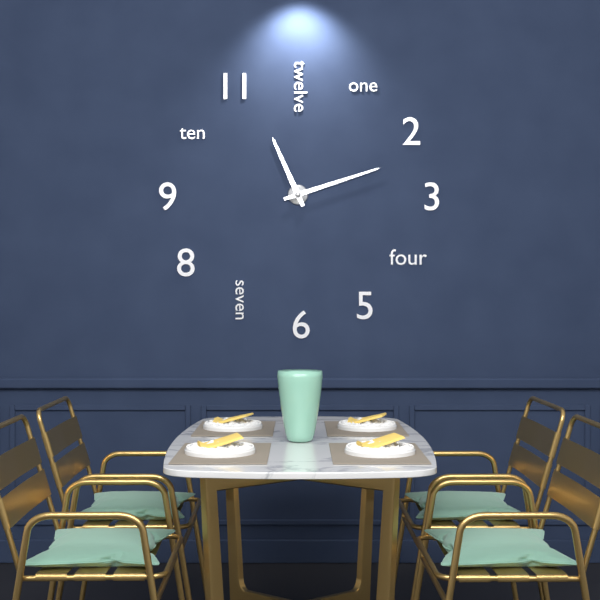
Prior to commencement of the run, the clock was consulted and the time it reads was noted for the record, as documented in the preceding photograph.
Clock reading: 11:12
